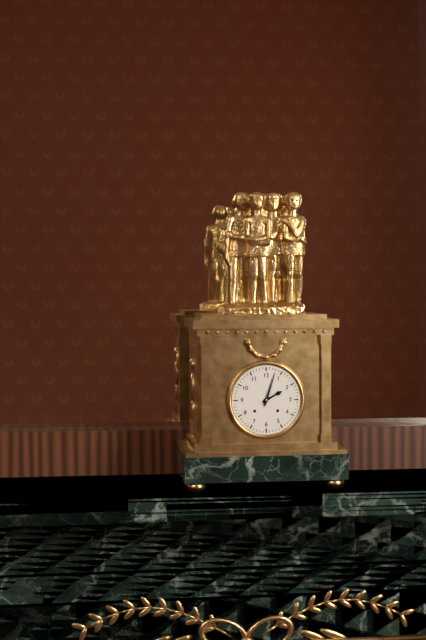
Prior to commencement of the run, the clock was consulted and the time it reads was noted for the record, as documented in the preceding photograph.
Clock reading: 2:03
